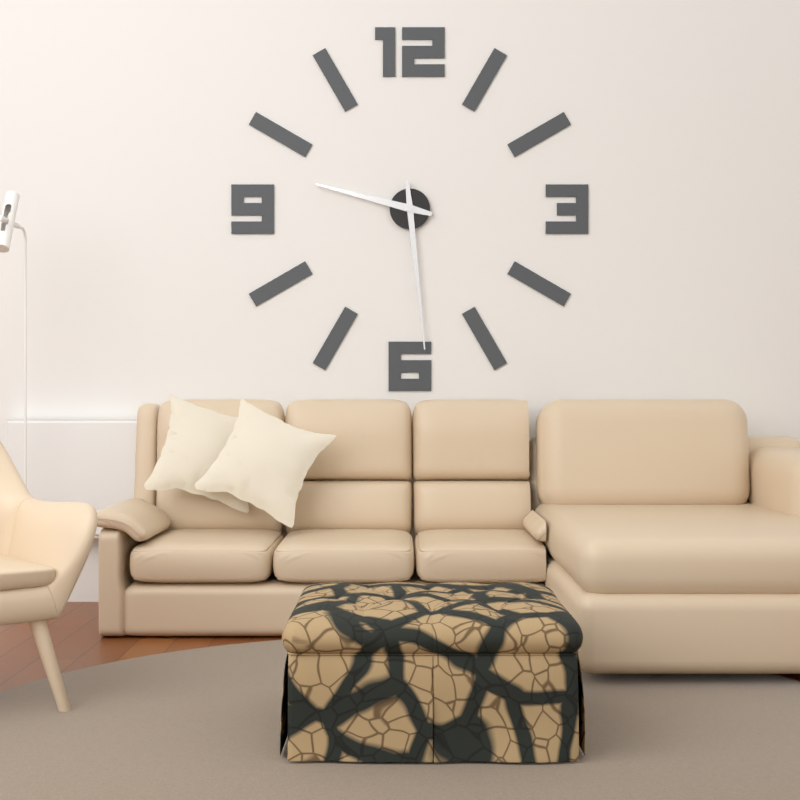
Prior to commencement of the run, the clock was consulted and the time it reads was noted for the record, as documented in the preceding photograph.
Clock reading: 9:29
